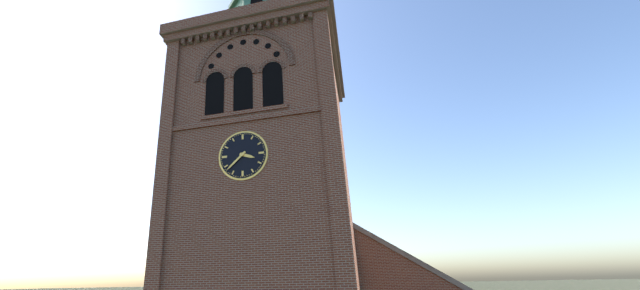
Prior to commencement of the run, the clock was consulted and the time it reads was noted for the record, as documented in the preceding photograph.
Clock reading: 3:38
